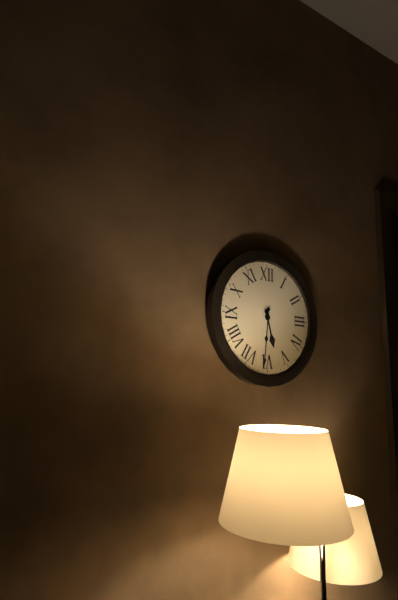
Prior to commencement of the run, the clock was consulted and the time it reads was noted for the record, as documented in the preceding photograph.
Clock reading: 5:31
